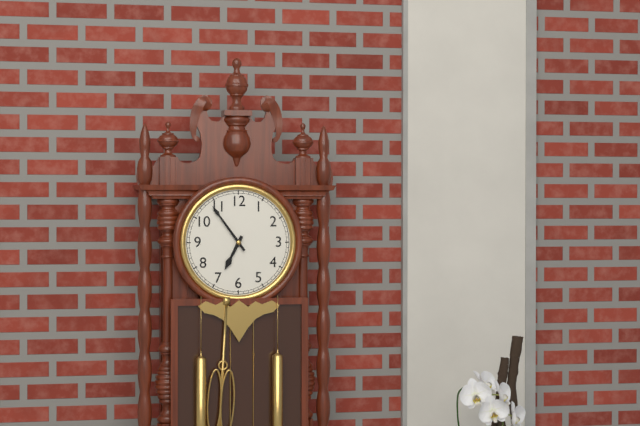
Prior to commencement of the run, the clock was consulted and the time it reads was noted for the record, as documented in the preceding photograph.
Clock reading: 6:54
